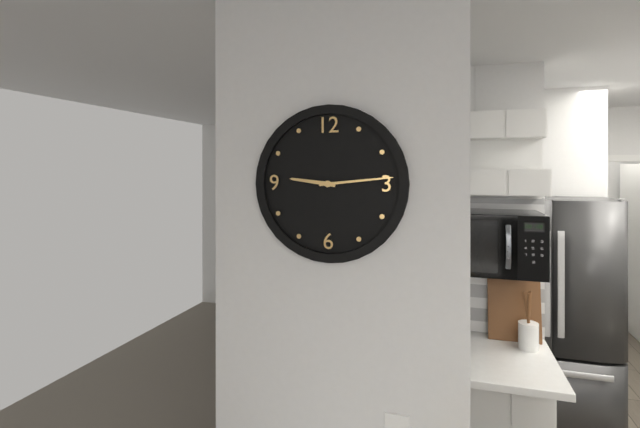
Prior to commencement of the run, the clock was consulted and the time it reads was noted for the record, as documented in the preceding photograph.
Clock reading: 9:14
